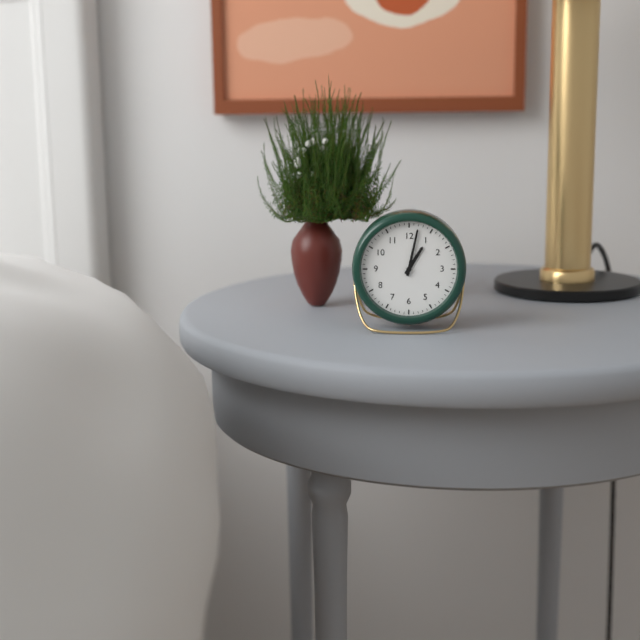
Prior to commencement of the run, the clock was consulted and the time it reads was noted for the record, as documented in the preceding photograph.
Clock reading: 1:02
